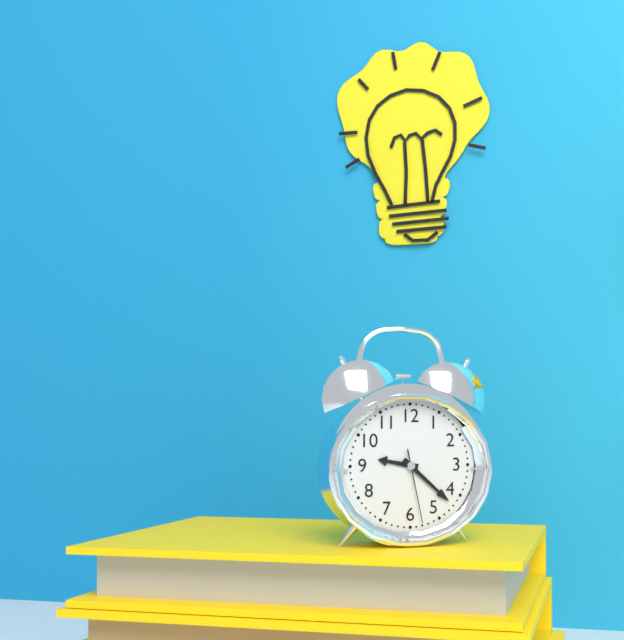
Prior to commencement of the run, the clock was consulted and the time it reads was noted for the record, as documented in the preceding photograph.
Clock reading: 9:22:28
